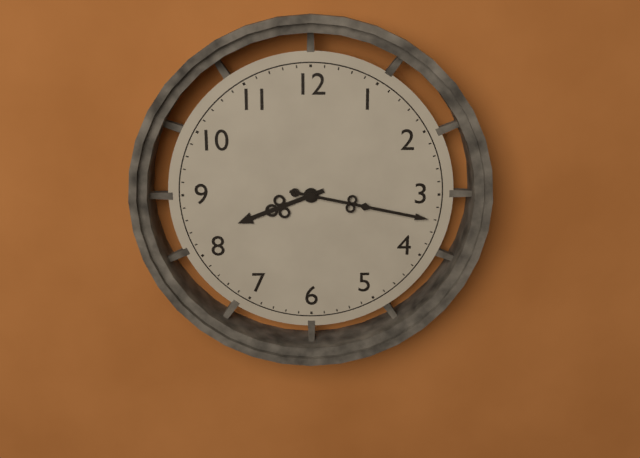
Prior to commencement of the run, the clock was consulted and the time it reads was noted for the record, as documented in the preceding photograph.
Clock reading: 8:17
